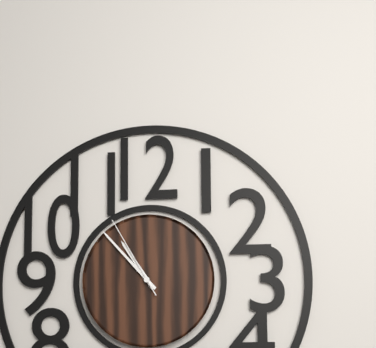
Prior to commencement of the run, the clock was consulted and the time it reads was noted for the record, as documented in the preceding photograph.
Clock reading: 10:53:55
